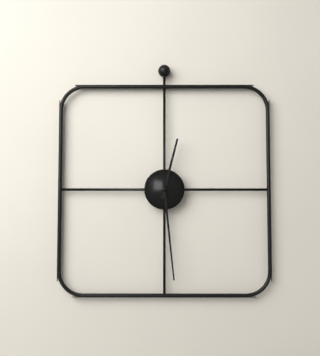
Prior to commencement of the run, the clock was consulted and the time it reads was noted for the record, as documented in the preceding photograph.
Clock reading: 12:29
